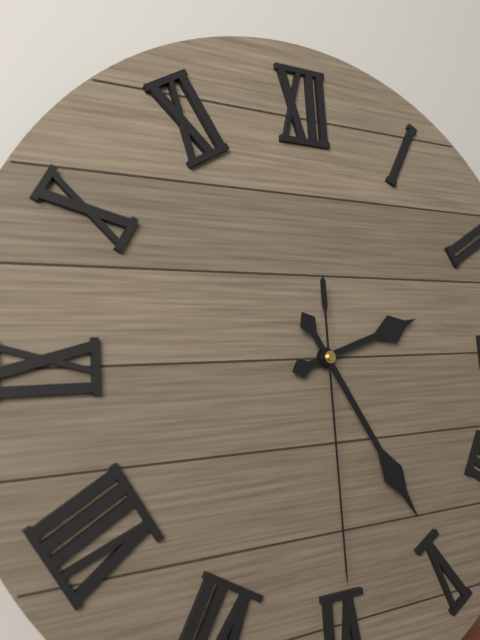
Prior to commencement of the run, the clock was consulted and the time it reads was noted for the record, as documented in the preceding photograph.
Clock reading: 2:25:30
